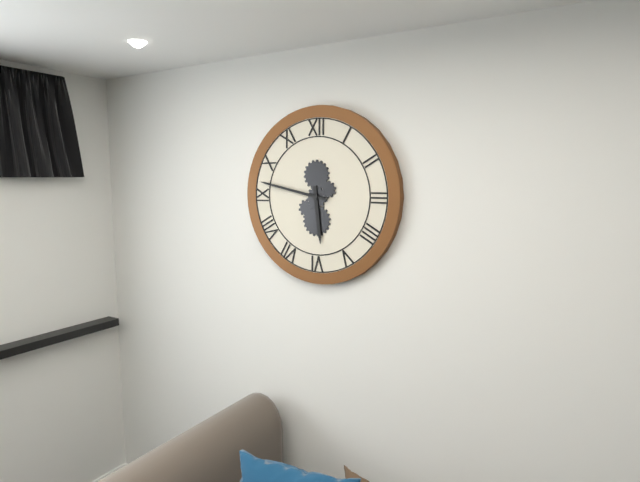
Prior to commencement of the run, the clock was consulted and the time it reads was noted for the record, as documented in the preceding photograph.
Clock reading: 5:47
